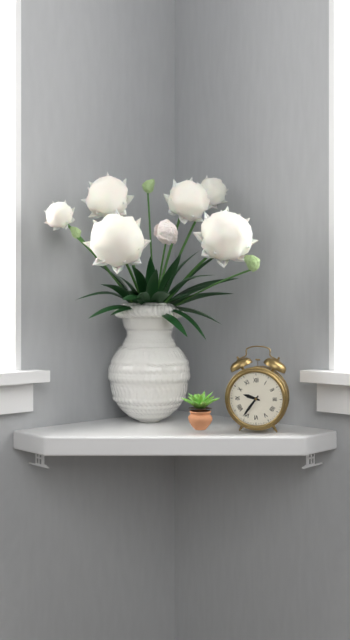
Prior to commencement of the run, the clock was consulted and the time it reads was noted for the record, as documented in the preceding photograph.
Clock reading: 9:36
